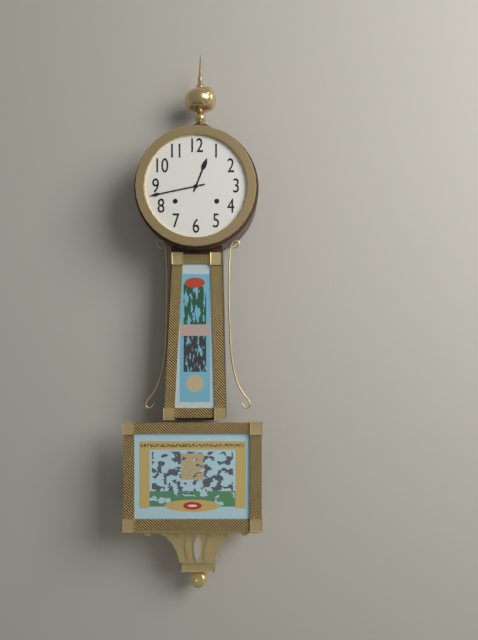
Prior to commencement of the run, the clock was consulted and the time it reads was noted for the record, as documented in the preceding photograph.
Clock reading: 12:43
